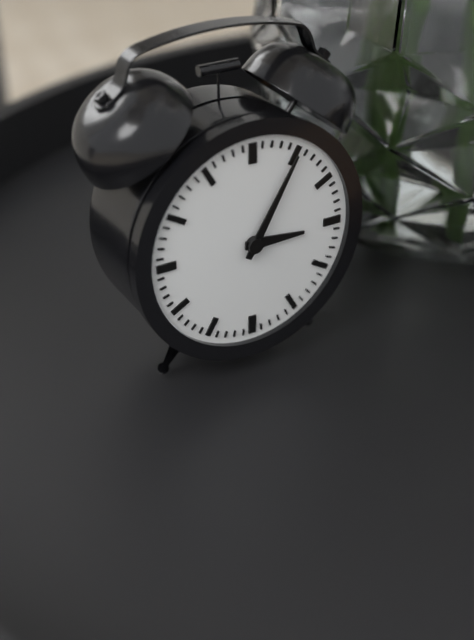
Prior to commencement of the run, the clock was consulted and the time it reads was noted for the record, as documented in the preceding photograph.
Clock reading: 3:05
